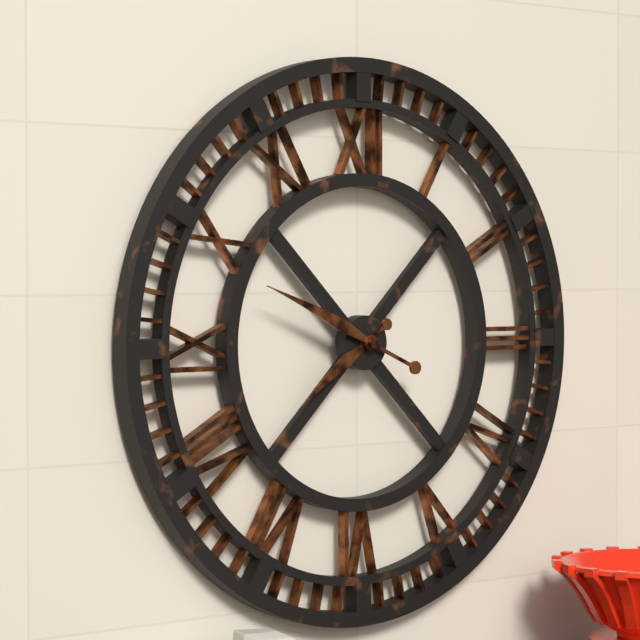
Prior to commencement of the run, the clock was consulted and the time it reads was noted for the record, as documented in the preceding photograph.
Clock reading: 7:49
